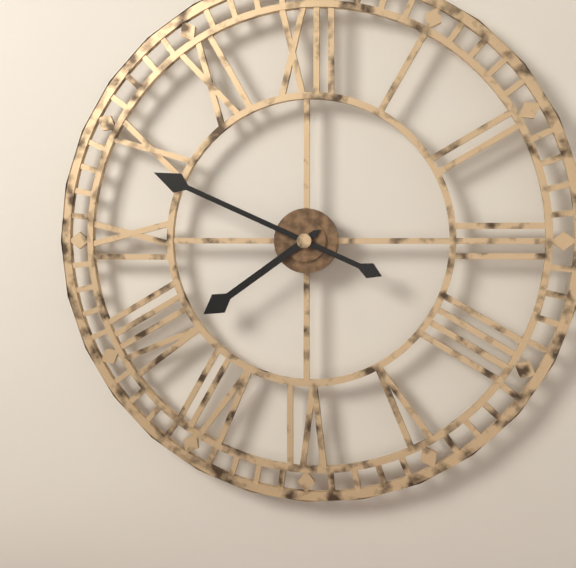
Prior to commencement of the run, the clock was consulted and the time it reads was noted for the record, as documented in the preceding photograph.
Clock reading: 7:49
